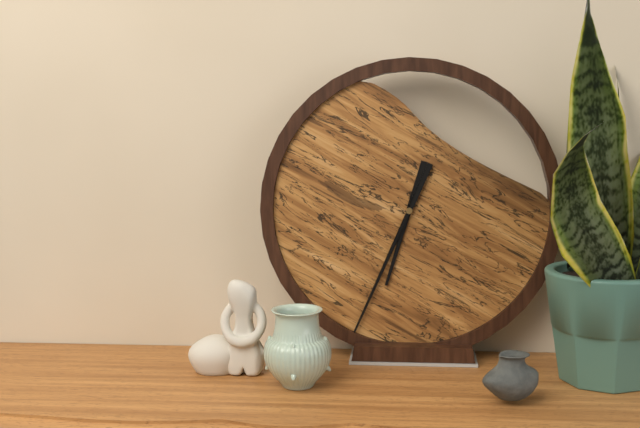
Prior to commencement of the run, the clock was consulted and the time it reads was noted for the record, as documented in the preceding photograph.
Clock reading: 6:34
